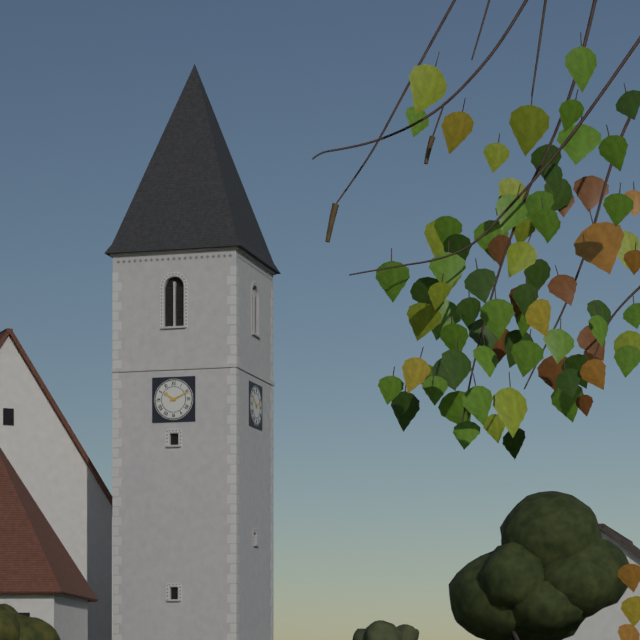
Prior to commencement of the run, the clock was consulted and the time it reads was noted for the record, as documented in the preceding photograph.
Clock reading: 10:11
